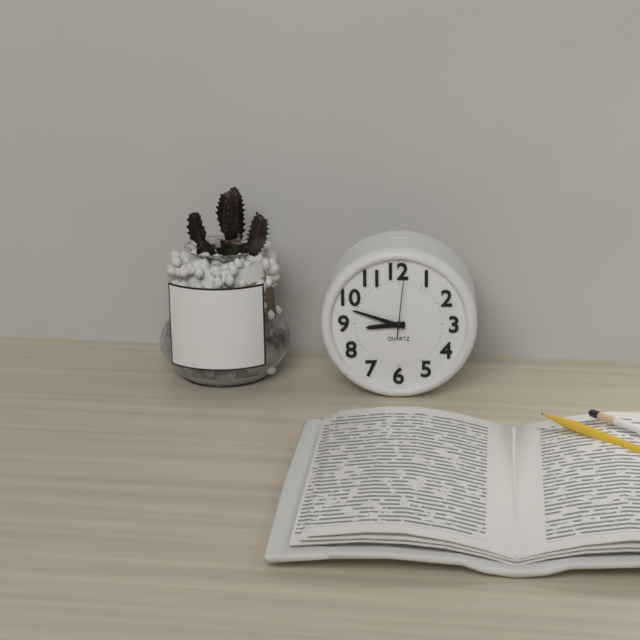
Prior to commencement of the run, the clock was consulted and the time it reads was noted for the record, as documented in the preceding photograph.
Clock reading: 8:48:01
